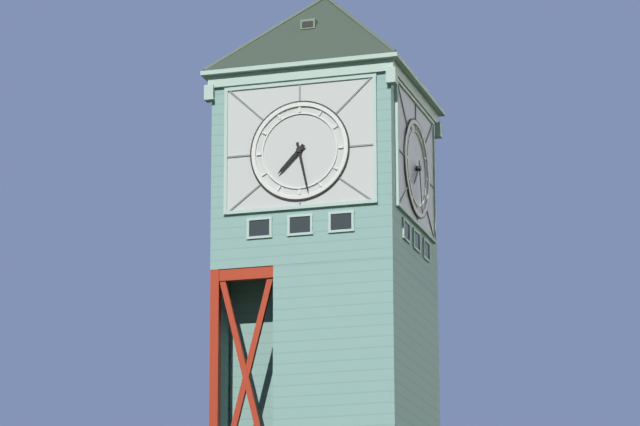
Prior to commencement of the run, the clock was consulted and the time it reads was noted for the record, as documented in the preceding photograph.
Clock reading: 7:28
